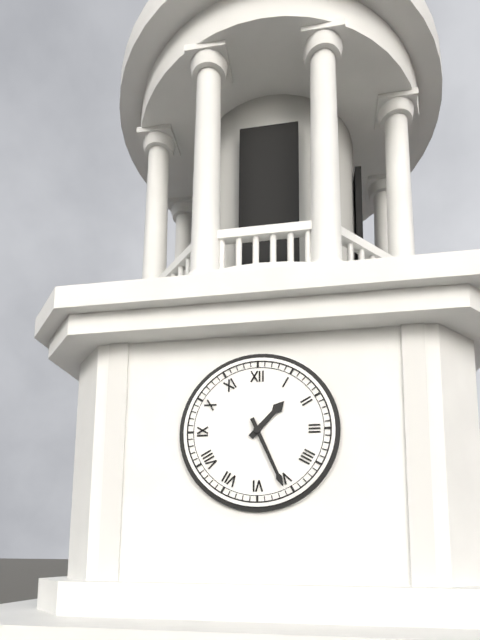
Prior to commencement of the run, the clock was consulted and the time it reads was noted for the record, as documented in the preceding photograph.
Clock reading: 1:26
